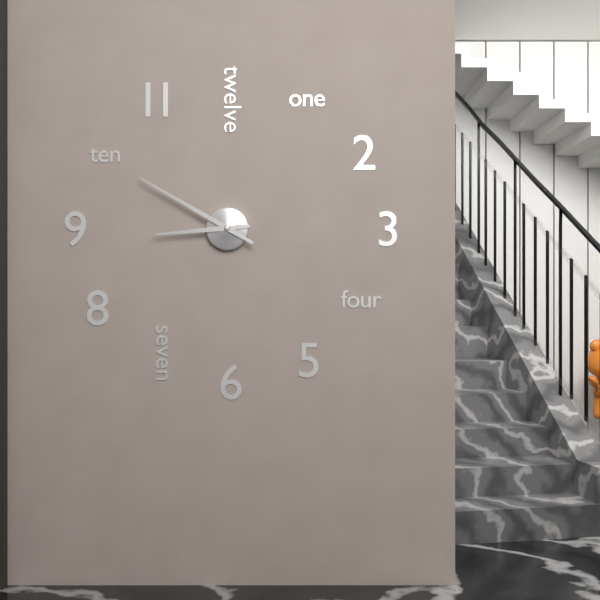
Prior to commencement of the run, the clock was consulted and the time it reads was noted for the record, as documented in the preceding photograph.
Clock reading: 8:50
